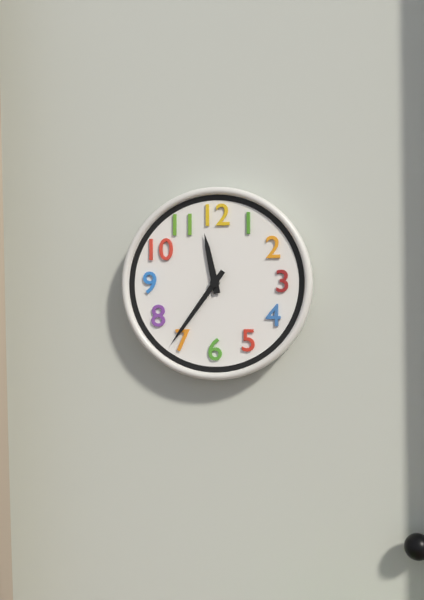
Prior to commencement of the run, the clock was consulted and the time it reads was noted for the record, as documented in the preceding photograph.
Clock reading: 11:36
